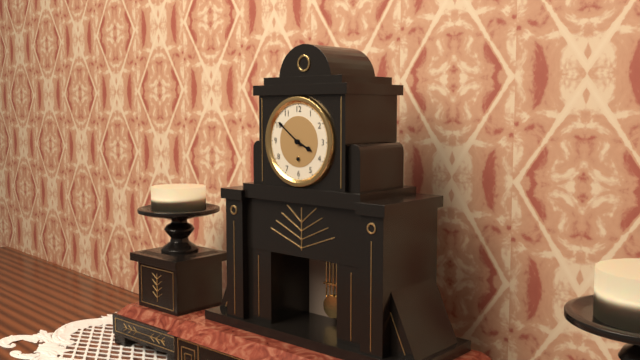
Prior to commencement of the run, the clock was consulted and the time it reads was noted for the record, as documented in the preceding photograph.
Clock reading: 3:51
